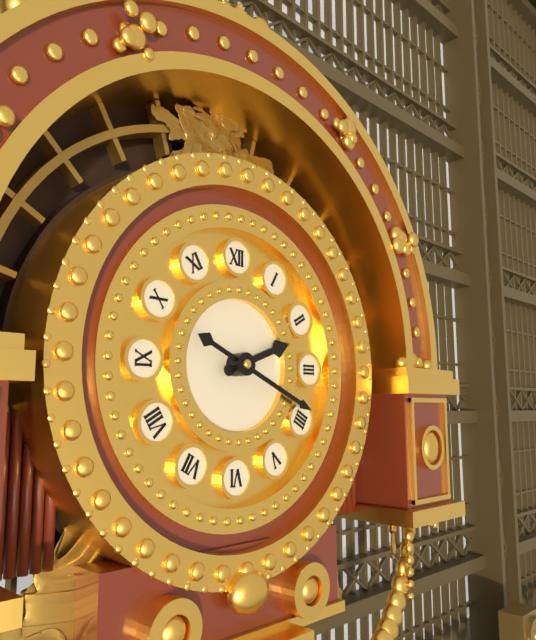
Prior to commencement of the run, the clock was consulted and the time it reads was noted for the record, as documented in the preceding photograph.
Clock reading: 2:19
